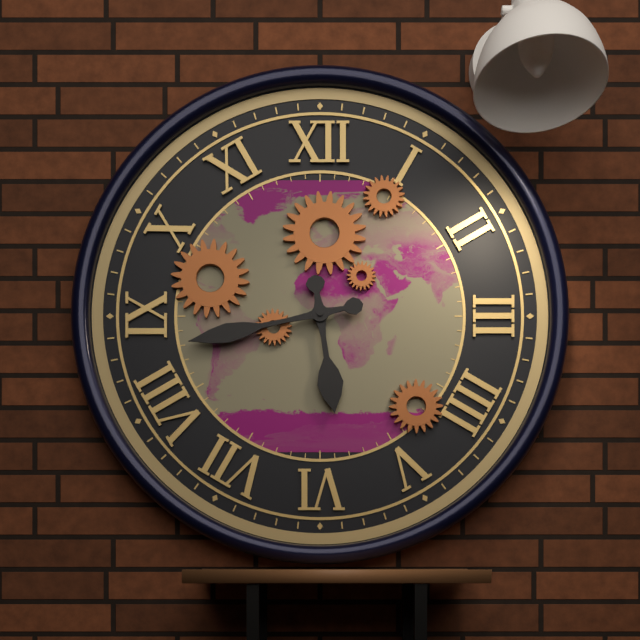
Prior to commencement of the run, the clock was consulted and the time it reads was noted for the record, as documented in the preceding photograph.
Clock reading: 5:43
